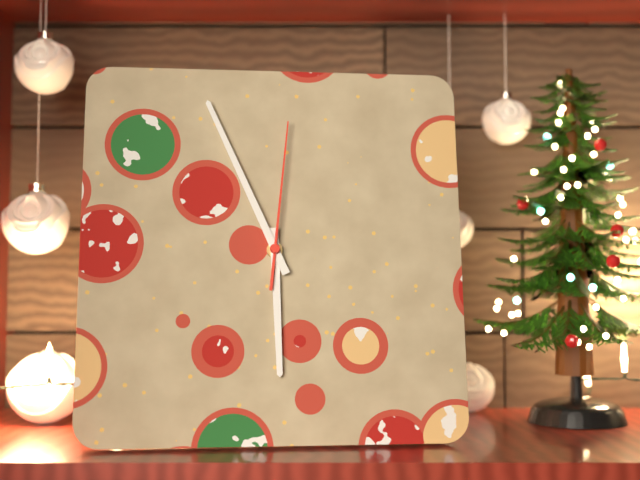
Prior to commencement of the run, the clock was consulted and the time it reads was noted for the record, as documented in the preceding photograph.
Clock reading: 5:56:01
